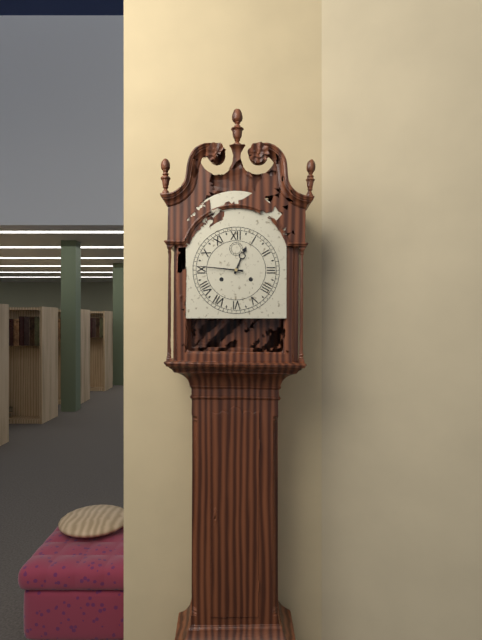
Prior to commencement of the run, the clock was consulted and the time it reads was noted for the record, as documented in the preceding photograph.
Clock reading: 12:46
